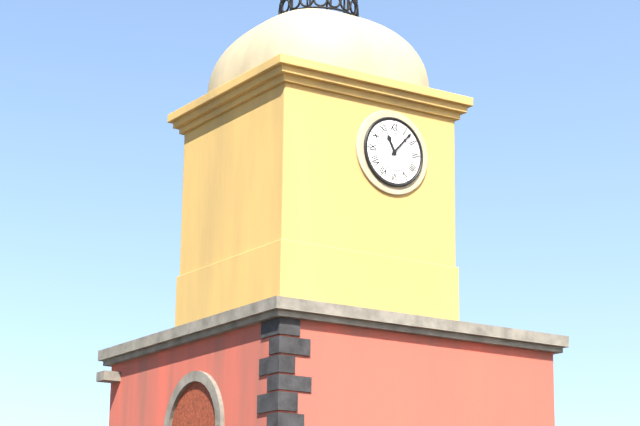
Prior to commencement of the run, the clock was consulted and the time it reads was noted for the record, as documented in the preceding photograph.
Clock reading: 11:07
